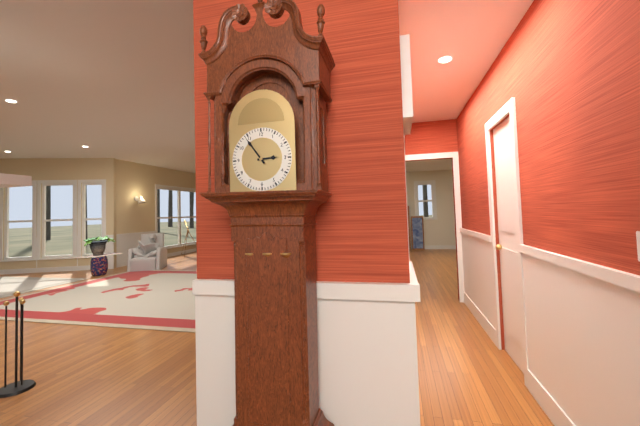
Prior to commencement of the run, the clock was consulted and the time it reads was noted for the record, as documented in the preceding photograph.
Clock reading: 2:54
